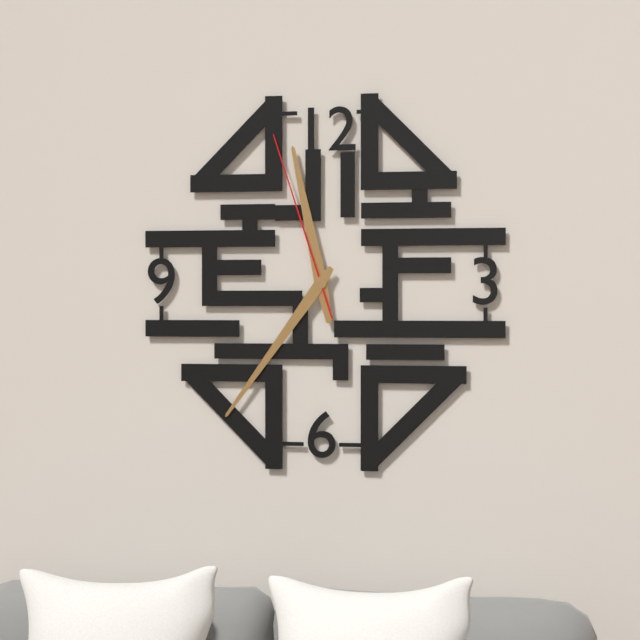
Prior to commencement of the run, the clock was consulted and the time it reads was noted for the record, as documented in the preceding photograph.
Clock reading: 11:36:57
